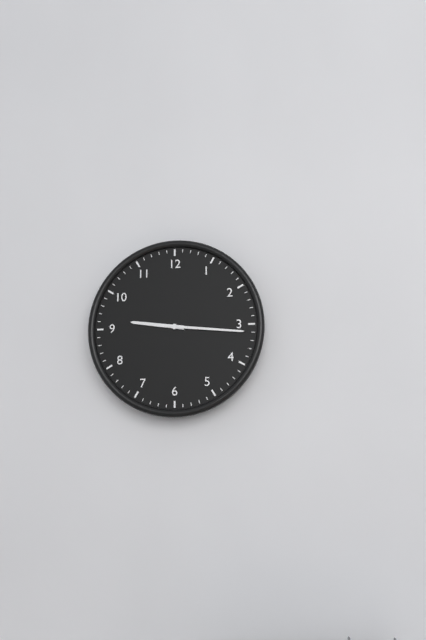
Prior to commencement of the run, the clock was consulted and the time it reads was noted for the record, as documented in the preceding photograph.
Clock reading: 9:16
